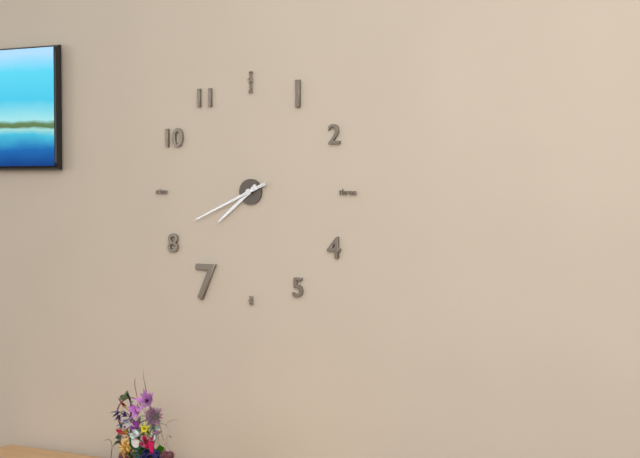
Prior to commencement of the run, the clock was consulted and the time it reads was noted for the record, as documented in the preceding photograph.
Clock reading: 7:41
